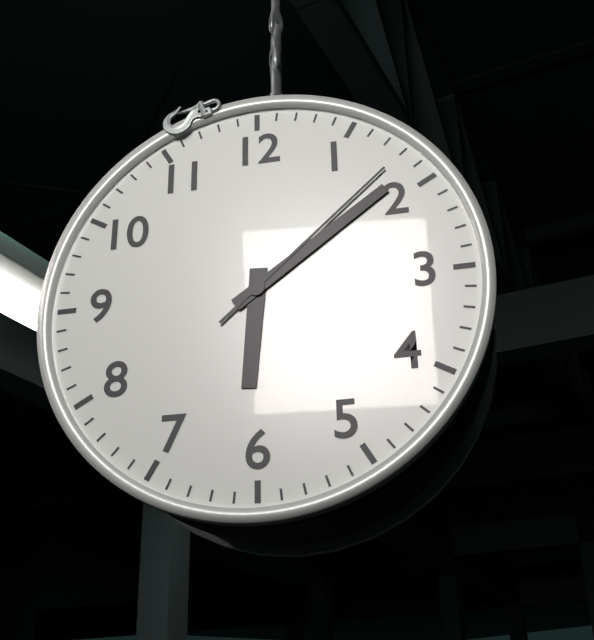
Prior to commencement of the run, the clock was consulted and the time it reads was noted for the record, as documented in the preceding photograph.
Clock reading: 6:09:08
